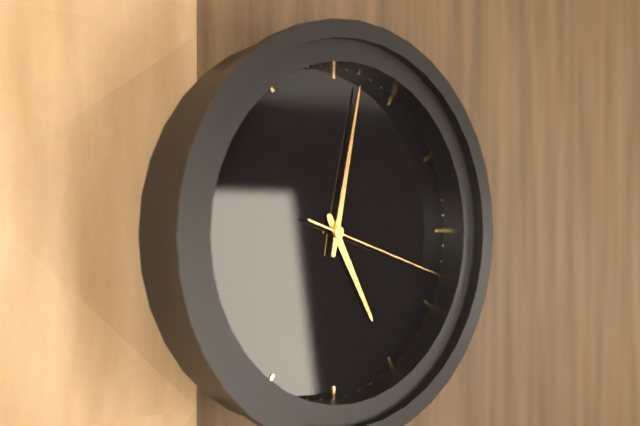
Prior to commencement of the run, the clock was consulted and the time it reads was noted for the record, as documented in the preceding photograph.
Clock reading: 5:02:18
